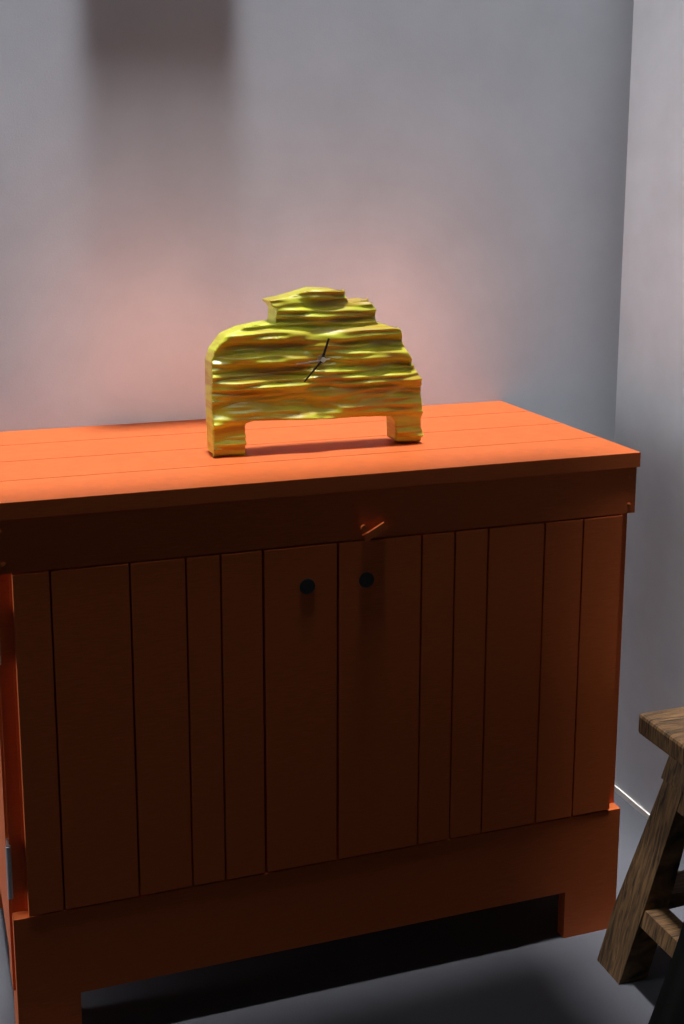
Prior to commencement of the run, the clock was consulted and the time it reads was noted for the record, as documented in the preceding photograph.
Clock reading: 12:37
